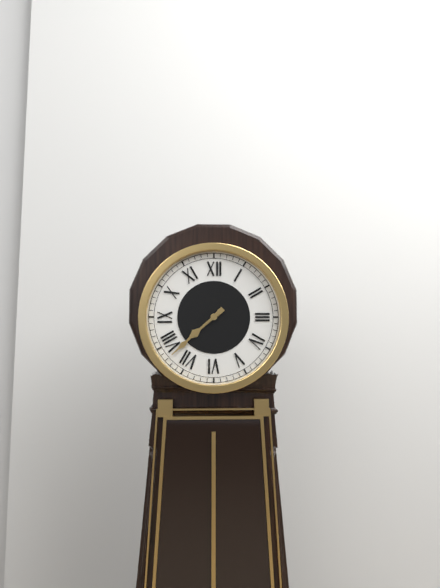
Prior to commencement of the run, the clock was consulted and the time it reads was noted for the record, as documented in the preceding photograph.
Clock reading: 7:38
